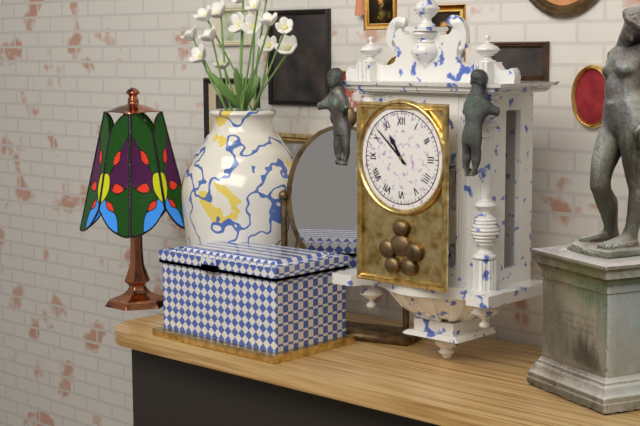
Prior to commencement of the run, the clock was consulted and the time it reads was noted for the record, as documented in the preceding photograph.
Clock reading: 10:52
